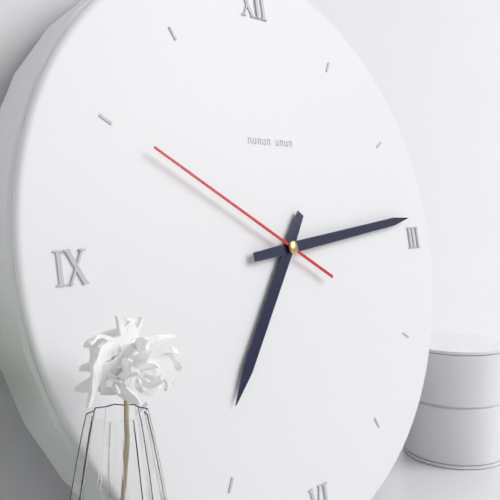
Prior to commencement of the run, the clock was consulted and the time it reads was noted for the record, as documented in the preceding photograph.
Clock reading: 7:14:50
